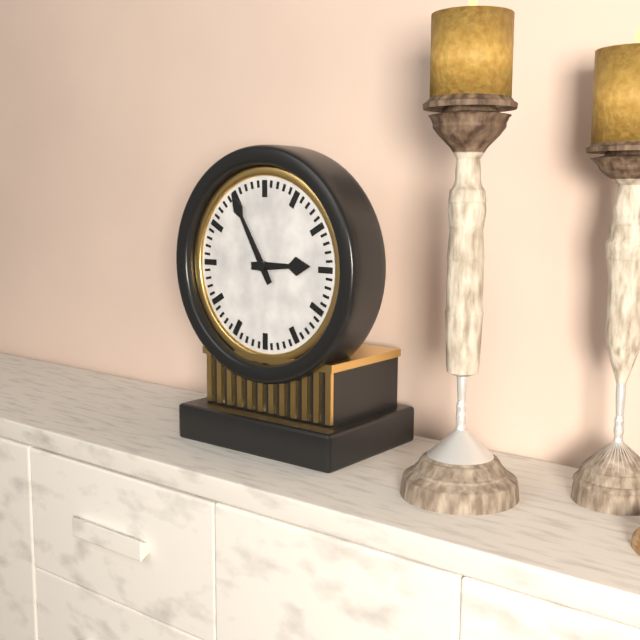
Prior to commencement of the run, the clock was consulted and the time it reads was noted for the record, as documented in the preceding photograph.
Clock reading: 2:55
